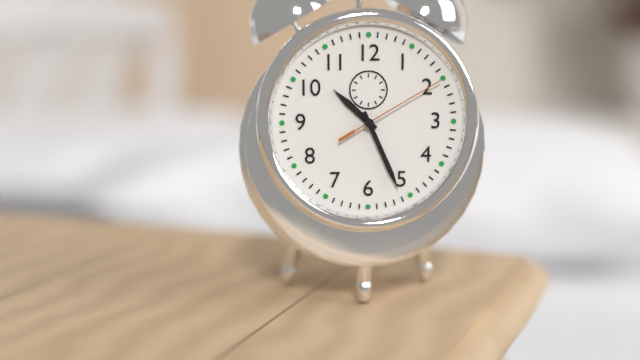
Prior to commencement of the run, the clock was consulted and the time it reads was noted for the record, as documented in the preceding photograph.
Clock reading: 10:26:10
